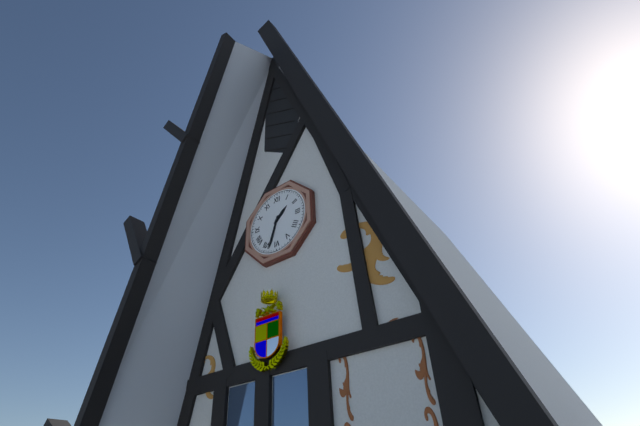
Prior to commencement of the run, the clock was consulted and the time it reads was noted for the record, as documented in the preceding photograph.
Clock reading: 1:33
